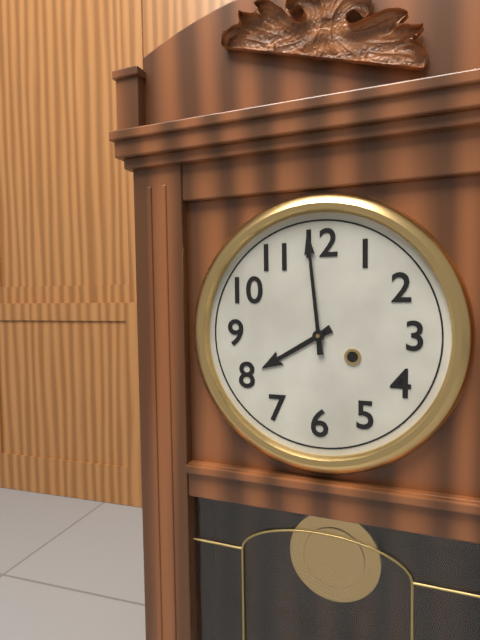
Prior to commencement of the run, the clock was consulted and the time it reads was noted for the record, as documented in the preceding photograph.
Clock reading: 7:59
